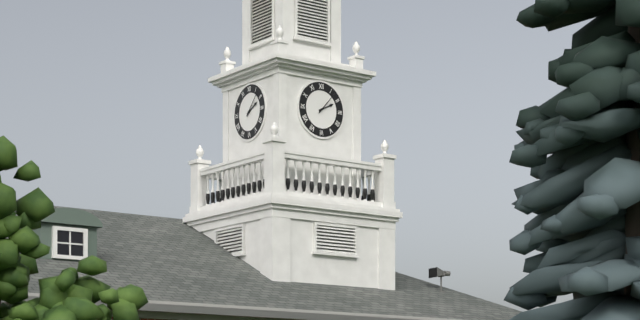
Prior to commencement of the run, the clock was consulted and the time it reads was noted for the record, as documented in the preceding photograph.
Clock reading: 2:07
